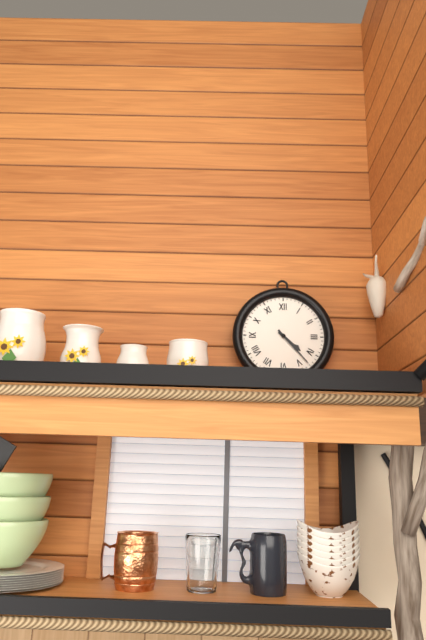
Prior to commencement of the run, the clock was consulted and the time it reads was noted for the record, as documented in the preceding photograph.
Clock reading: 4:23
